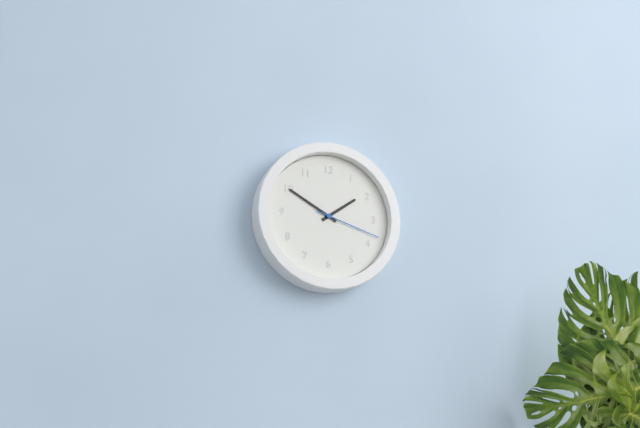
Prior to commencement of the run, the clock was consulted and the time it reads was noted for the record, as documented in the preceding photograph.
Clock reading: 1:50:18
